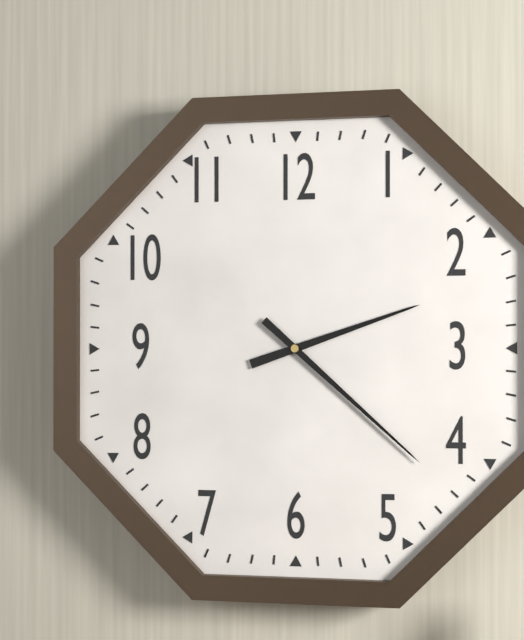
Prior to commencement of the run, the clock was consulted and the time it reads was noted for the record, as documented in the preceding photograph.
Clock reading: 2:22
